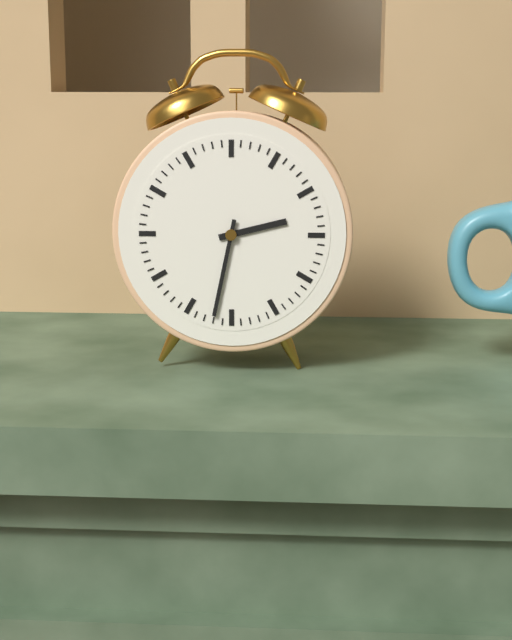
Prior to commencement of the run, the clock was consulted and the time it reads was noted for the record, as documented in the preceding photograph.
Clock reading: 2:32
